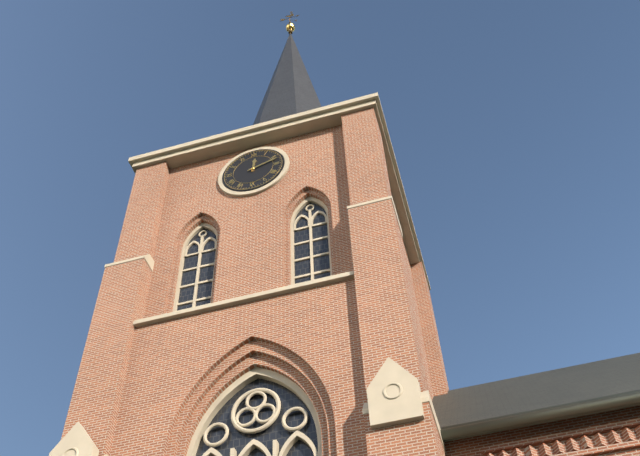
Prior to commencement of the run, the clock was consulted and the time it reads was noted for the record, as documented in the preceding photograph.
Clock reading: 12:12
